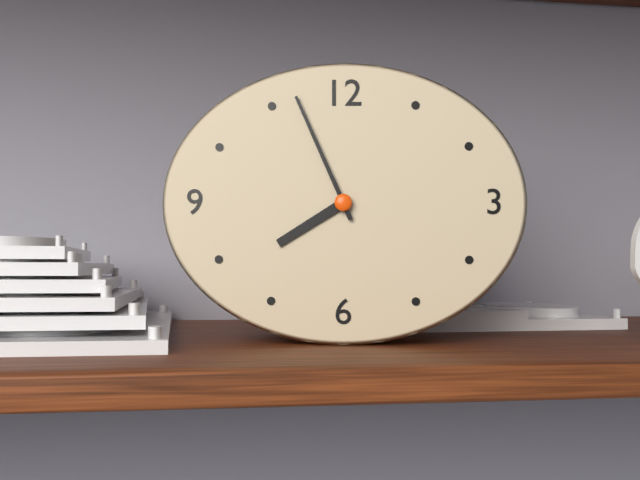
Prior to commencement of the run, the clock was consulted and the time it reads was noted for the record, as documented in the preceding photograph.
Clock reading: 7:56
